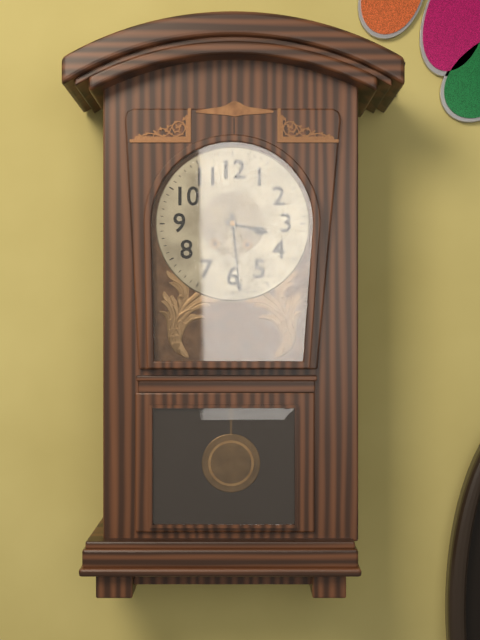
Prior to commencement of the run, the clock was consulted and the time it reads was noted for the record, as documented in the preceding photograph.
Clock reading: 3:29
